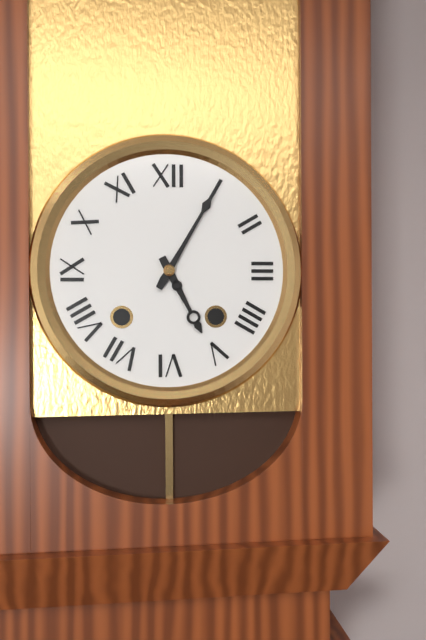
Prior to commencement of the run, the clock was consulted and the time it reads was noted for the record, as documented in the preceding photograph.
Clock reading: 5:05
